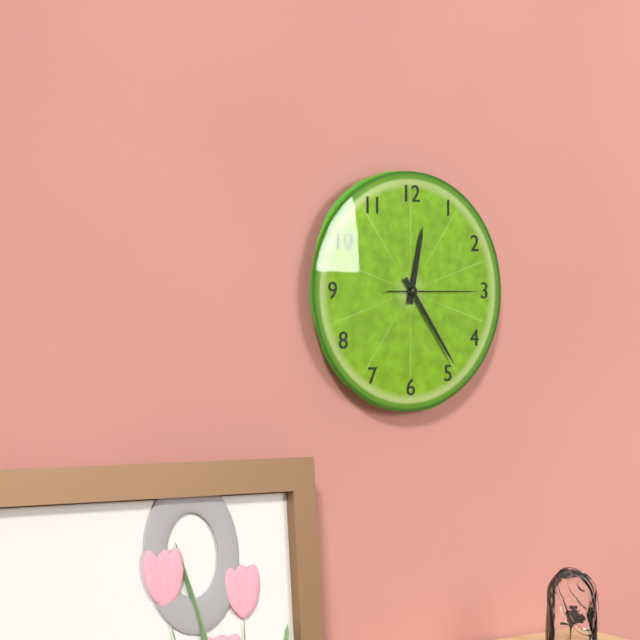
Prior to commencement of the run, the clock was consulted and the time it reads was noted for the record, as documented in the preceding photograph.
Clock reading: 12:24:15
